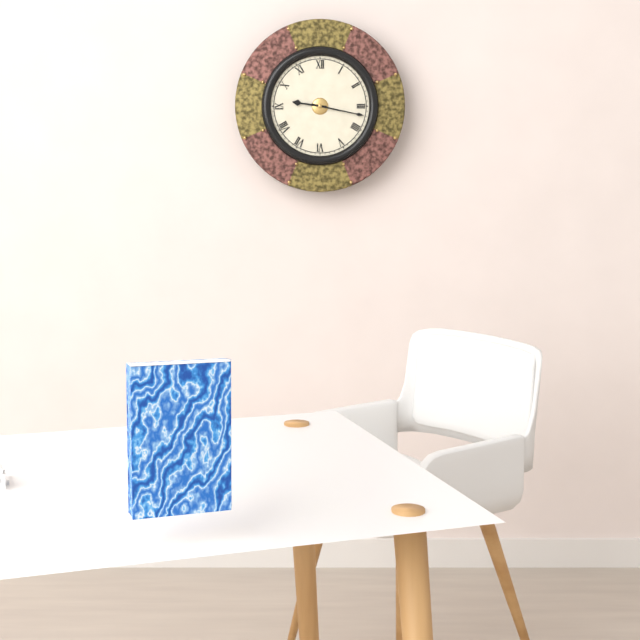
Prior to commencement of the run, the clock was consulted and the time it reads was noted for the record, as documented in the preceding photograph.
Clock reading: 9:17
